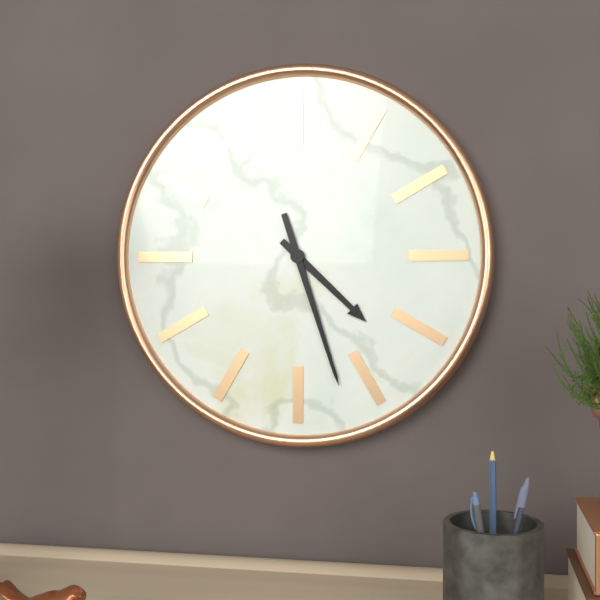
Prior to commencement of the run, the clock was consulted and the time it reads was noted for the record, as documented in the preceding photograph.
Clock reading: 4:27
